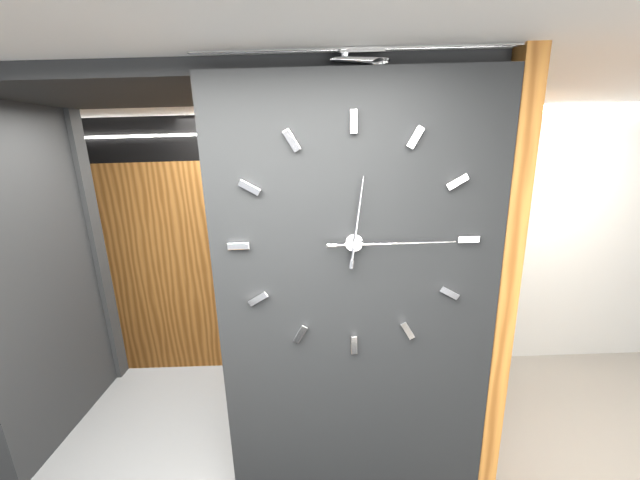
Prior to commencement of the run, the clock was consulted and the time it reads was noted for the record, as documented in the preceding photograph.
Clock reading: 12:15
